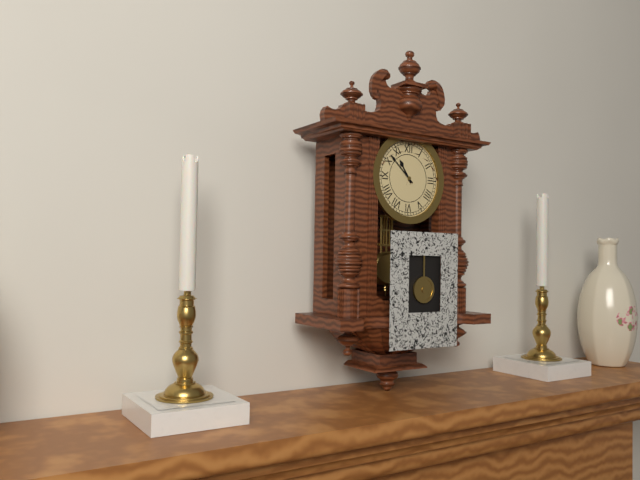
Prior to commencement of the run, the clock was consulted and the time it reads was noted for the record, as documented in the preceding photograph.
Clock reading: 10:52
